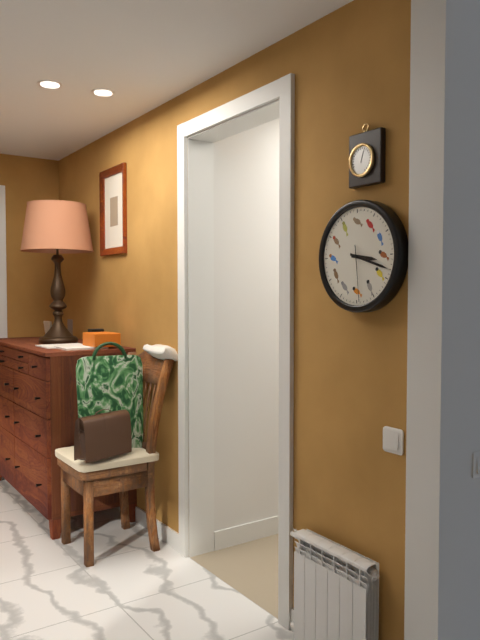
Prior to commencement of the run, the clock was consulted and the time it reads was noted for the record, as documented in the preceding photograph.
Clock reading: 3:18:29
